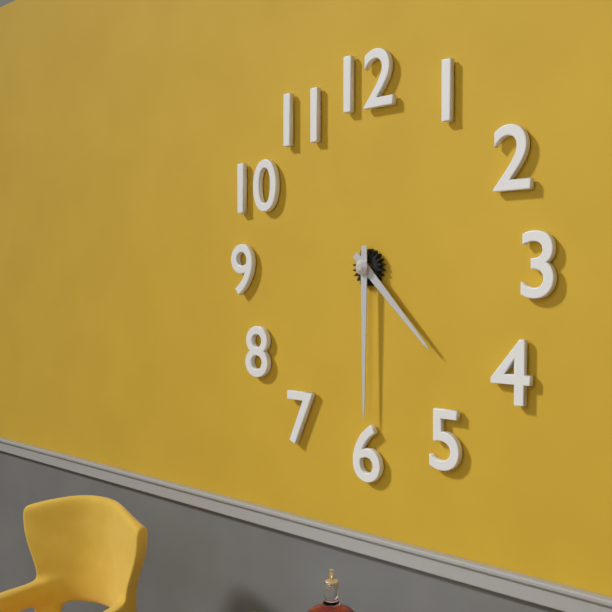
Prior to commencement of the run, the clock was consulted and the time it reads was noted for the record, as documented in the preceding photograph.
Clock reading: 4:30
